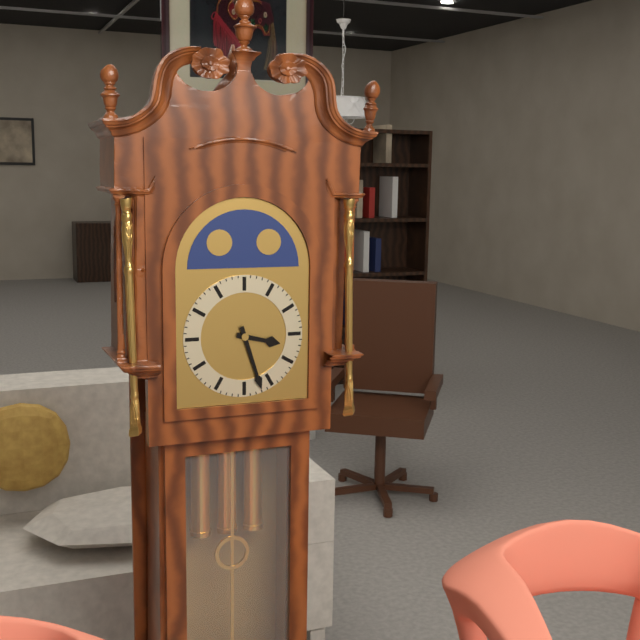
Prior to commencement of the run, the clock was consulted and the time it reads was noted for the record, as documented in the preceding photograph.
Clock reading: 3:27
